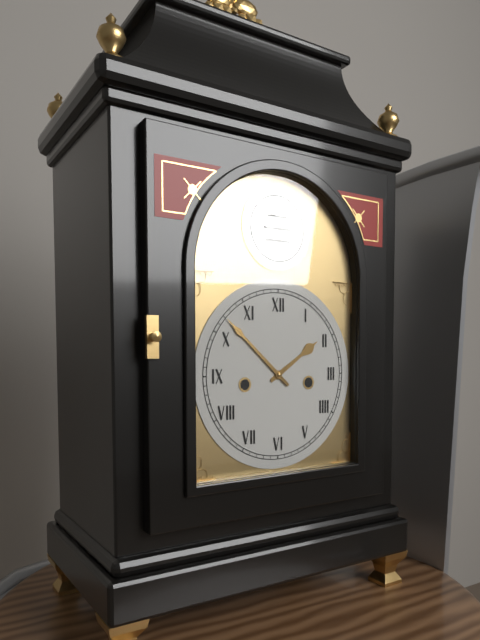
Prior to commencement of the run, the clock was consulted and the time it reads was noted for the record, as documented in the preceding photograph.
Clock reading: 1:52
